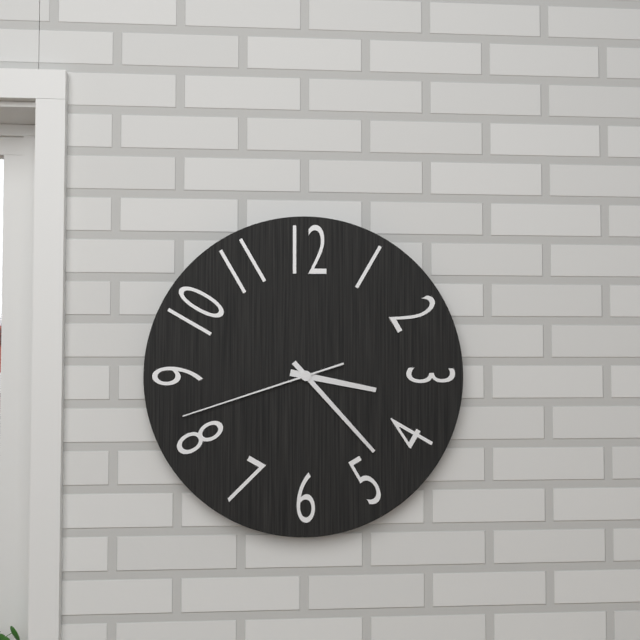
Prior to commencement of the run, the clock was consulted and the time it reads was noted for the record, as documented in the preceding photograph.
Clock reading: 3:23:42
